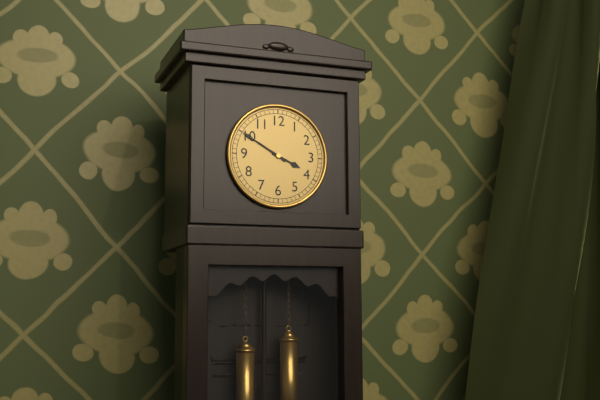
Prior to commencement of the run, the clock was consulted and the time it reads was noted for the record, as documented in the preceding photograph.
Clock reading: 3:50
